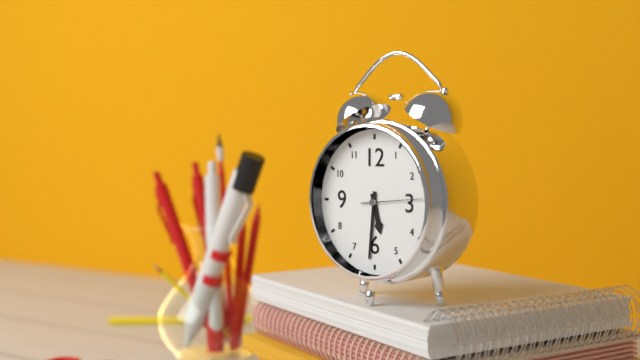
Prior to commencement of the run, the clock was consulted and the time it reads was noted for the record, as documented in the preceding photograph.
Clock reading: 5:31:14
